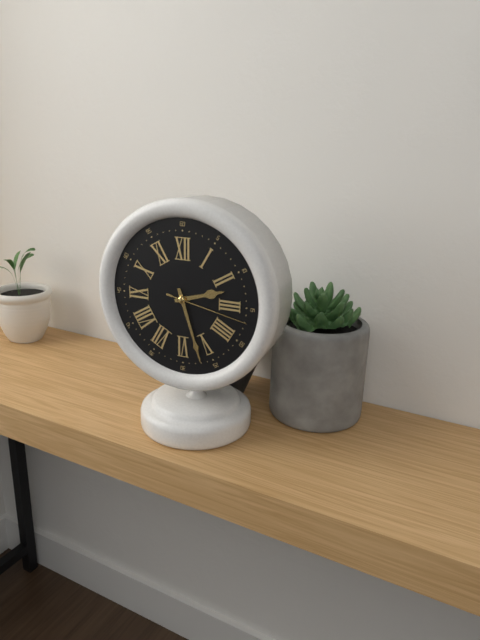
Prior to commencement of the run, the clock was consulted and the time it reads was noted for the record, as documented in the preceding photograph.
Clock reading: 2:27:17
